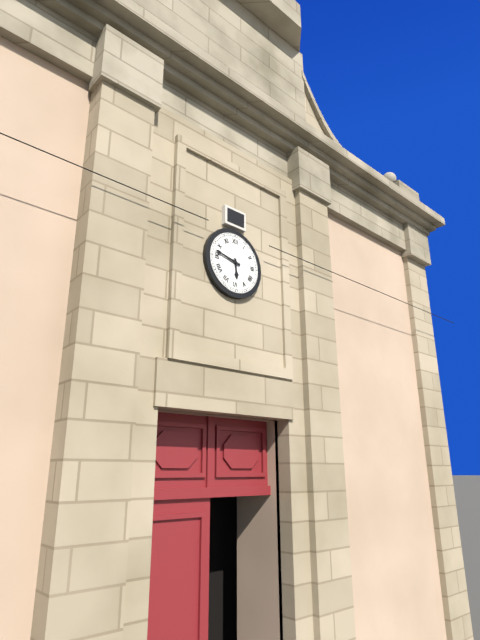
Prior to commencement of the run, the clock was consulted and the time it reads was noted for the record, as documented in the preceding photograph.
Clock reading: 5:47
